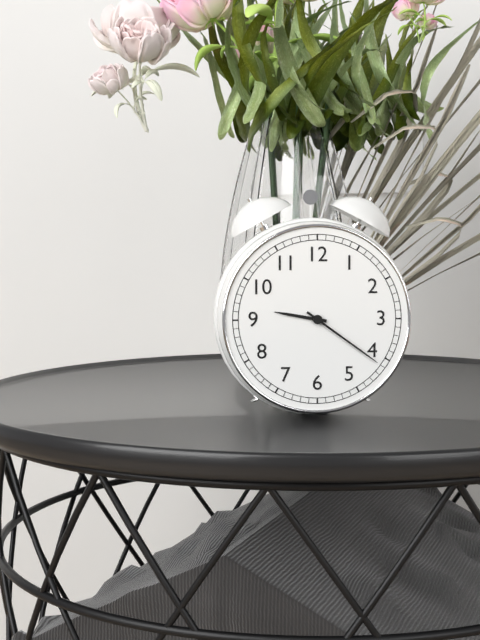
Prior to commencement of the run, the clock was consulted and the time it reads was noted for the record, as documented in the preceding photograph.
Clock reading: 9:21
